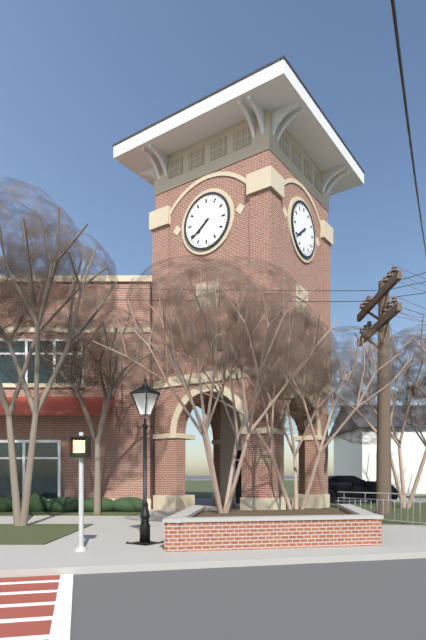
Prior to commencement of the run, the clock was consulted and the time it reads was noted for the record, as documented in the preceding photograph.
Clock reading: 7:39
